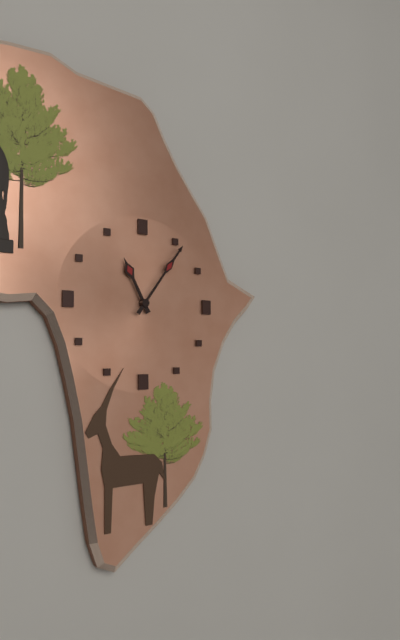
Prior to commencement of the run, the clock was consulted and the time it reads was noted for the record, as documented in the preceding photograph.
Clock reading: 11:06
